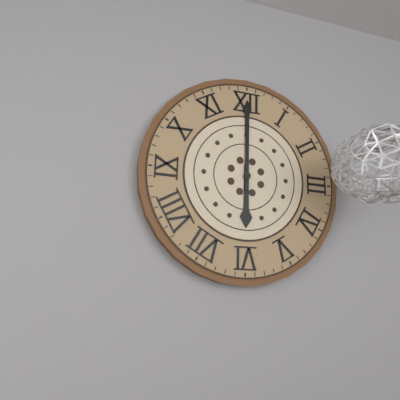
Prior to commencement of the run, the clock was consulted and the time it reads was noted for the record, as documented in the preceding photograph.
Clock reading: 6:00
